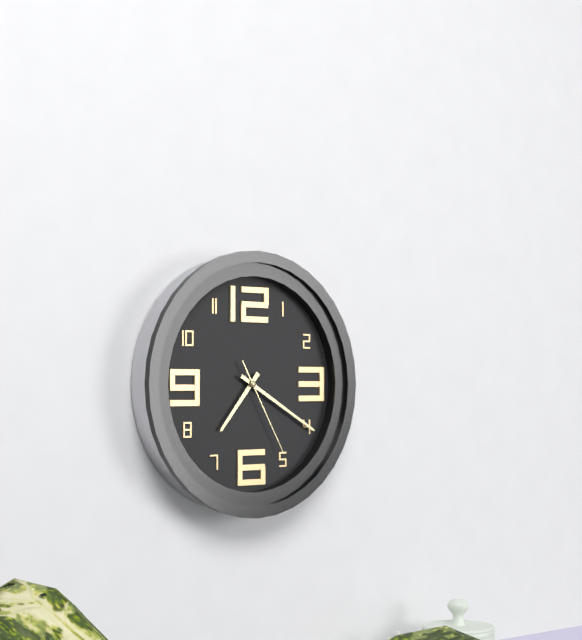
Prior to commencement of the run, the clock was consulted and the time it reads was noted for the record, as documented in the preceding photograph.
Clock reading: 7:20:25
